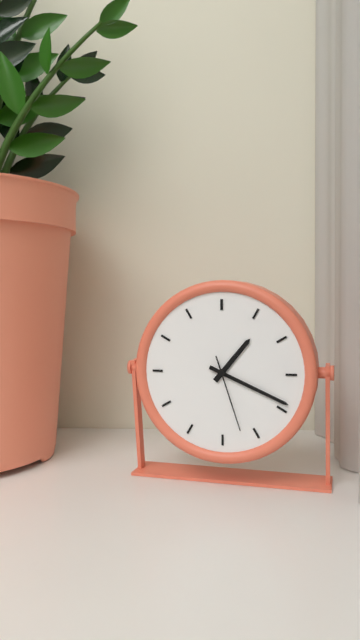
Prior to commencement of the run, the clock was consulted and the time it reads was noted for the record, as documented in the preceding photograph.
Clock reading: 1:19:27
